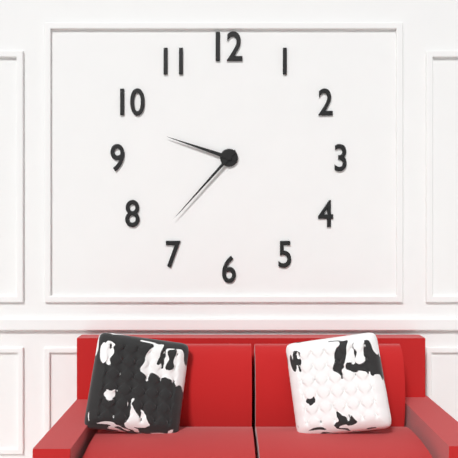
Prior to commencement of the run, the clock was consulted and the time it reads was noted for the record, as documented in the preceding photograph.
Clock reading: 9:37
